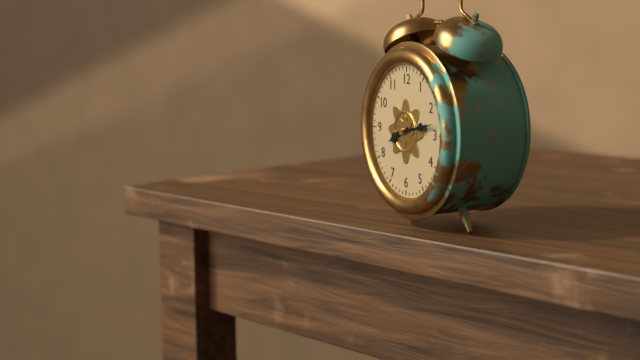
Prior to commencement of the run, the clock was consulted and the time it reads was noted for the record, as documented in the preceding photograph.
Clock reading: 8:13
